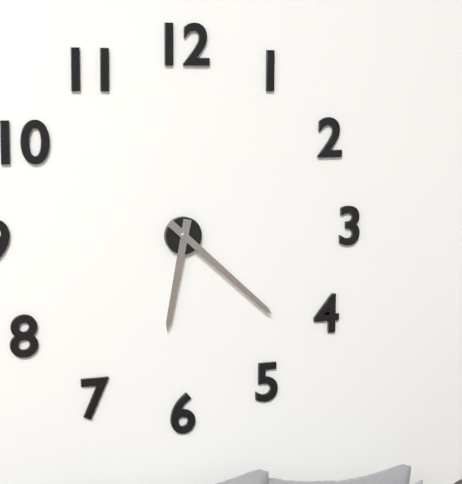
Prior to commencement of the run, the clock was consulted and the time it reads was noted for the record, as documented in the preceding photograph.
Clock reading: 6:22
